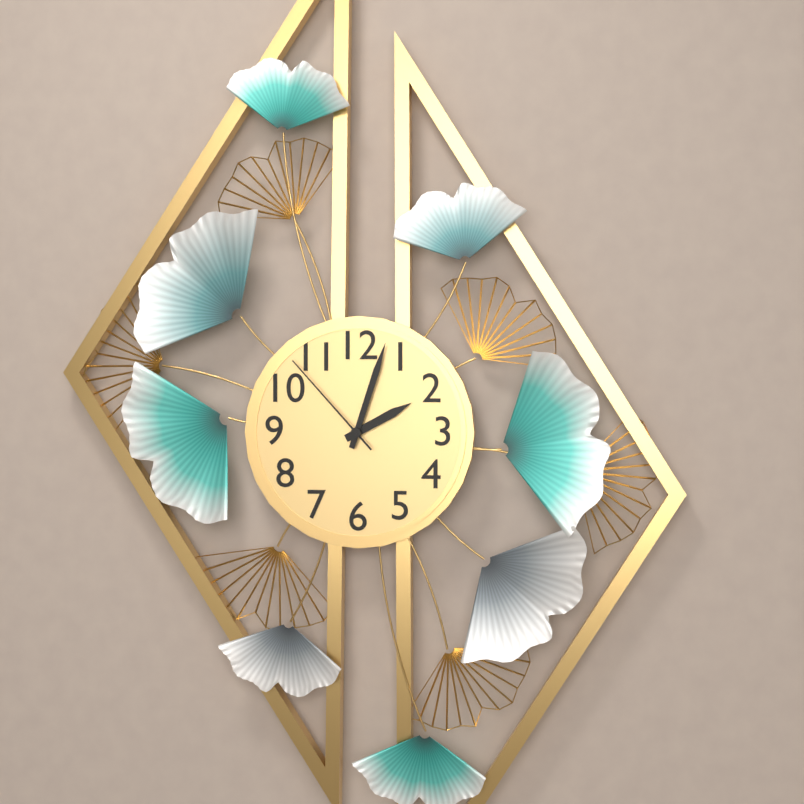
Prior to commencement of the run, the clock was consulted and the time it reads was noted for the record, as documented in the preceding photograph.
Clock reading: 2:03:53
